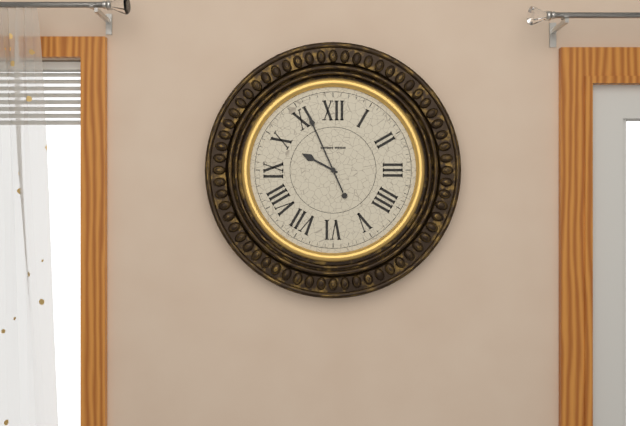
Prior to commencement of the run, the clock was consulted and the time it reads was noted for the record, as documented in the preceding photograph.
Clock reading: 9:56
